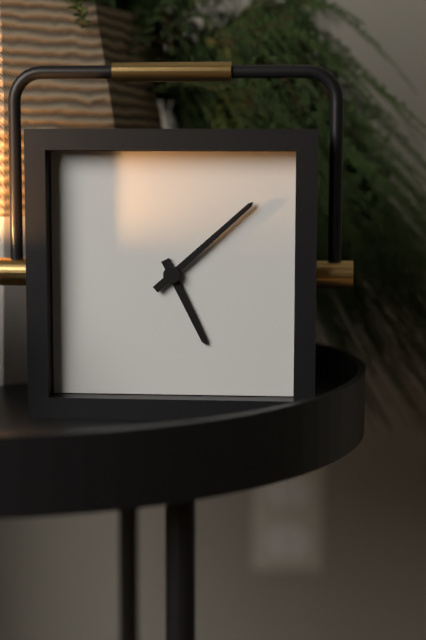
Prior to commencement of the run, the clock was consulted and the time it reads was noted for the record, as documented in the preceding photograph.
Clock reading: 5:08
